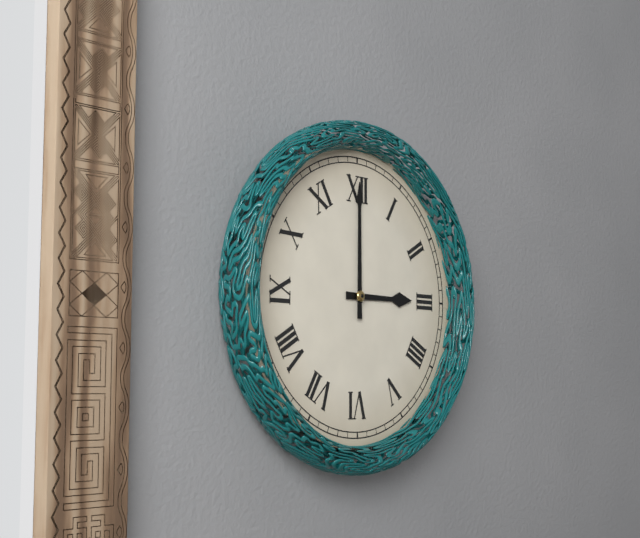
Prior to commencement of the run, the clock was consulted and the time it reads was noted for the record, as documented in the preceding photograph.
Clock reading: 3:00
